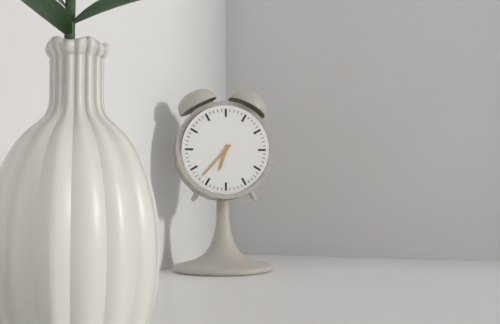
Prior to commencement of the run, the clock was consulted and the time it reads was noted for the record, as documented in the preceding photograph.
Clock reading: 6:37
